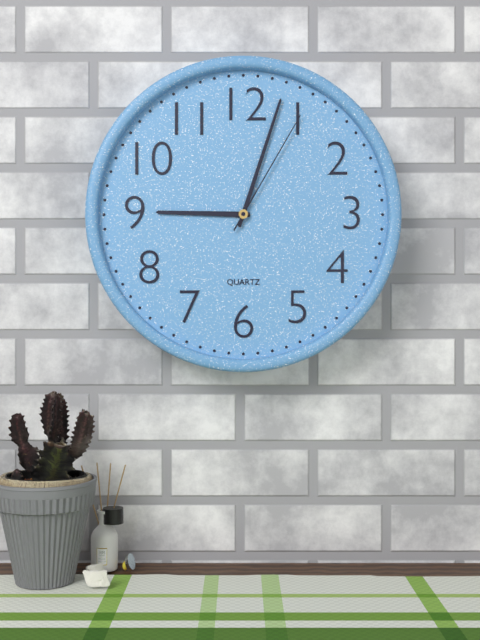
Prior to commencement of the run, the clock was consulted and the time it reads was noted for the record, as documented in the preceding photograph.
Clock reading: 9:03:05
